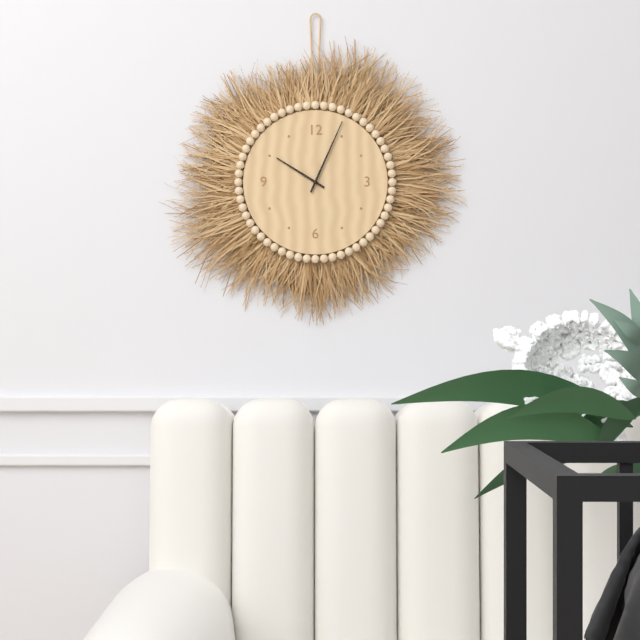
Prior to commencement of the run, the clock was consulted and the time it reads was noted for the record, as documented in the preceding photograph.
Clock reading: 10:04
